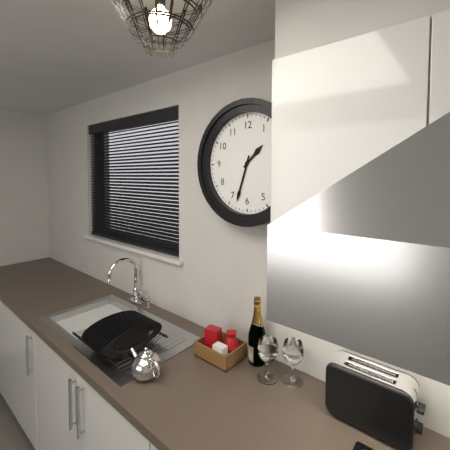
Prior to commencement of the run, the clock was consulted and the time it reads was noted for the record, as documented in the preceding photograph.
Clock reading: 1:33
